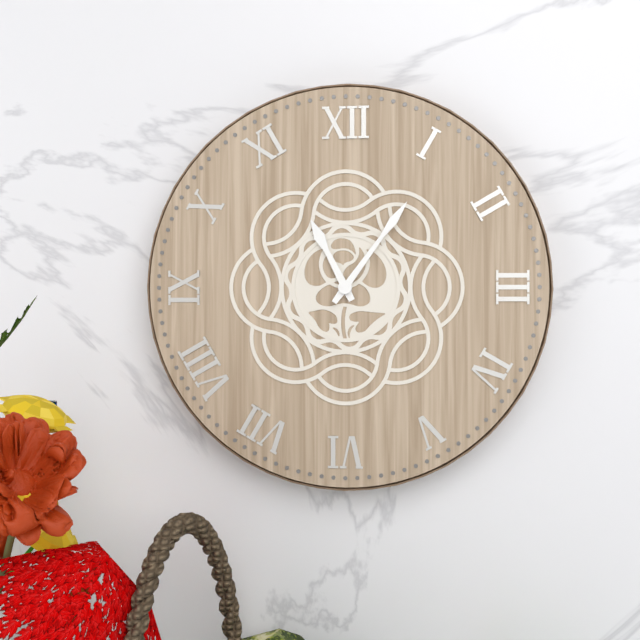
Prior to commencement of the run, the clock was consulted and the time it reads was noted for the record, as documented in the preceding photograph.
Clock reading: 11:06
